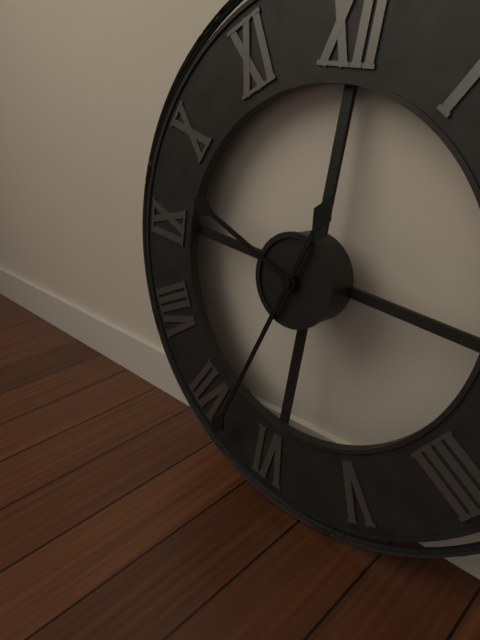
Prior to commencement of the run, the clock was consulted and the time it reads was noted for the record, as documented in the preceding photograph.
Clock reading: 9:33
